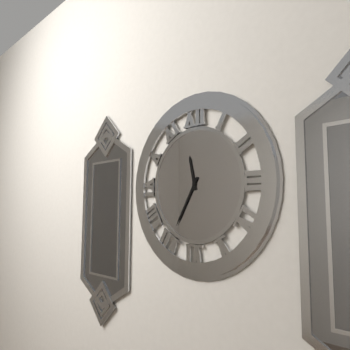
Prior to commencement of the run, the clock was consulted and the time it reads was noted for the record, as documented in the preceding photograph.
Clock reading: 11:35
